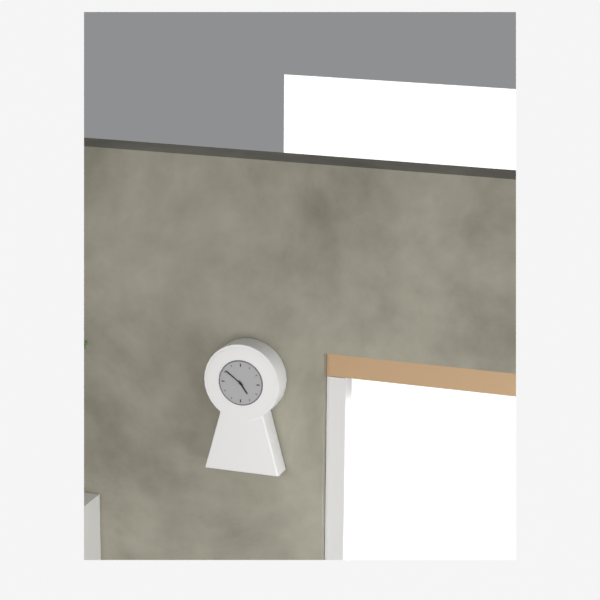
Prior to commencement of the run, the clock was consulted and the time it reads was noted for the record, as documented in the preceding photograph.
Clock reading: 4:51
